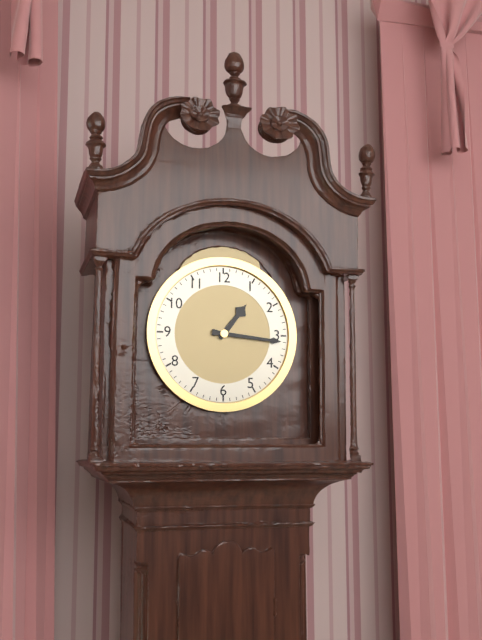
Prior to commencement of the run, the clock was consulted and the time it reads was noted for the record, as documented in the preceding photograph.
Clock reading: 1:16
